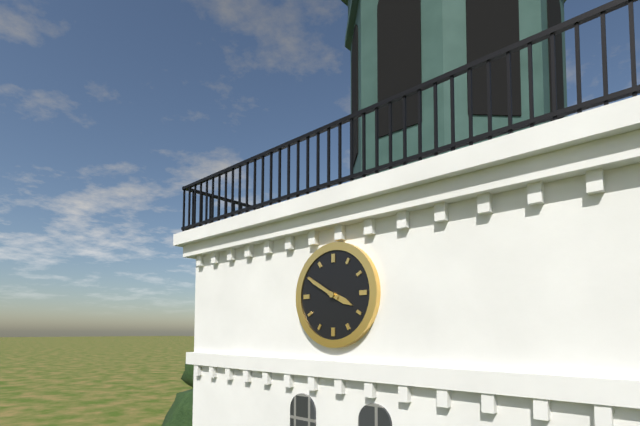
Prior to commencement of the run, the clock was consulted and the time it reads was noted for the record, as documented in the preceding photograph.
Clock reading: 3:50
